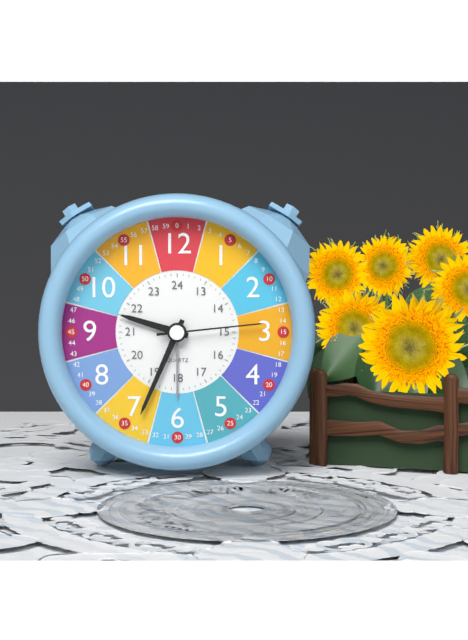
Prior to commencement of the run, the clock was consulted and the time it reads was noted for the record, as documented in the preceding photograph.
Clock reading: 9:34:14
